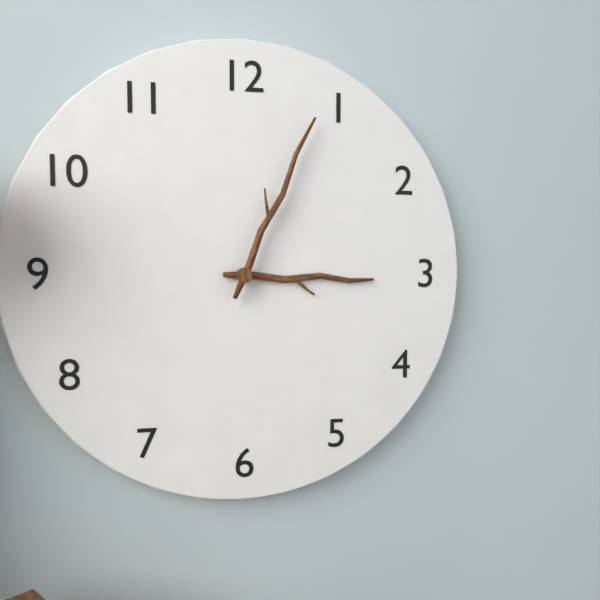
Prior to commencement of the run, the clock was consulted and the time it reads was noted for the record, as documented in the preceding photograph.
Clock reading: 3:04
